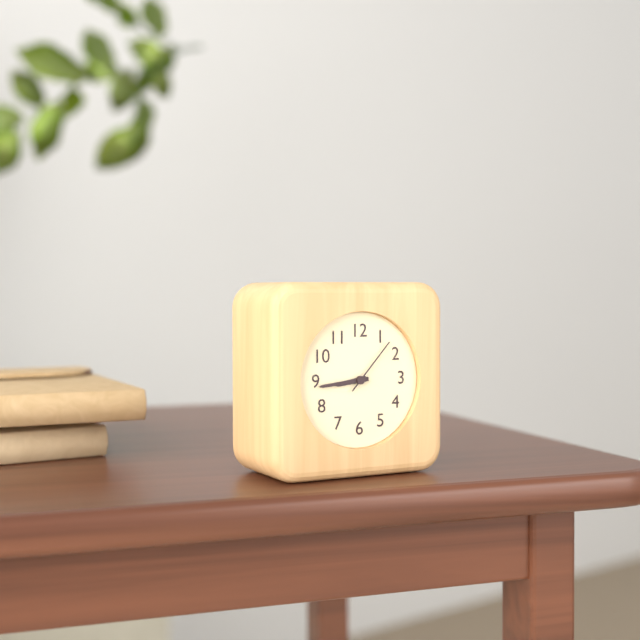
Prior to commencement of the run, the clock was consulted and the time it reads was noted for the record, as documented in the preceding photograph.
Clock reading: 8:44:07
